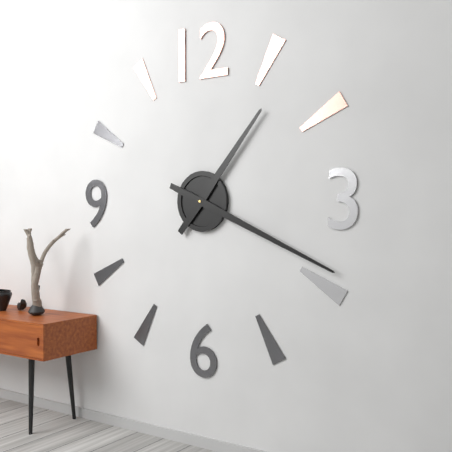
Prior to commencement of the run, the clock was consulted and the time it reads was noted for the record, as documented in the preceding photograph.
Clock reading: 1:19
